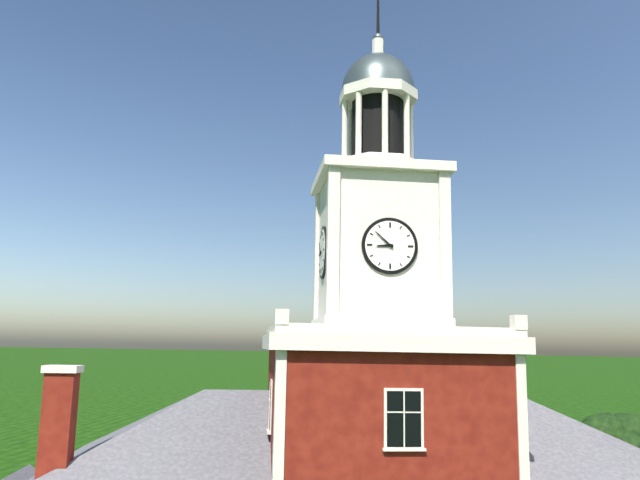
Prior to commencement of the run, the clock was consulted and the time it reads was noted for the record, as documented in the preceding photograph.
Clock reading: 8:52
